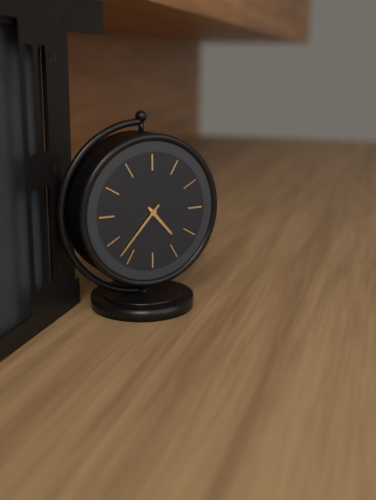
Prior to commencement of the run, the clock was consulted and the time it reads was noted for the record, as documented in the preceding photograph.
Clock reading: 4:37
